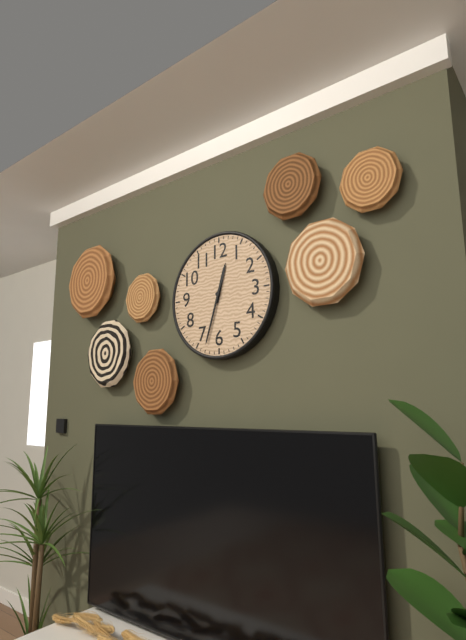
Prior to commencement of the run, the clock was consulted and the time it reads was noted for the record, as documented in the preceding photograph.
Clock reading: 12:33
